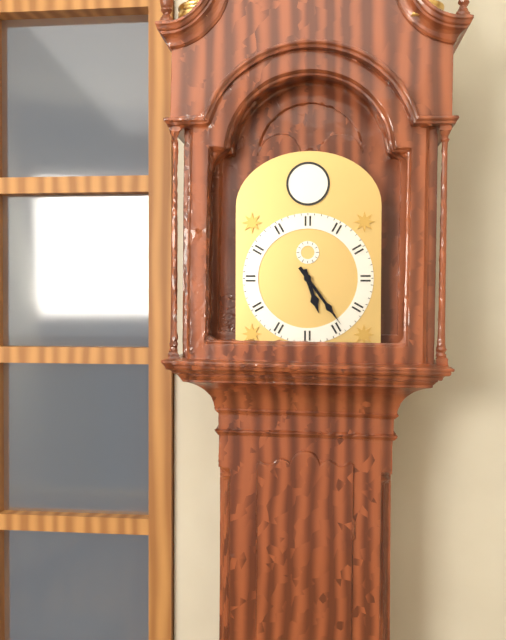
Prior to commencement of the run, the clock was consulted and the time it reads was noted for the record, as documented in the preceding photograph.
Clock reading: 5:24
